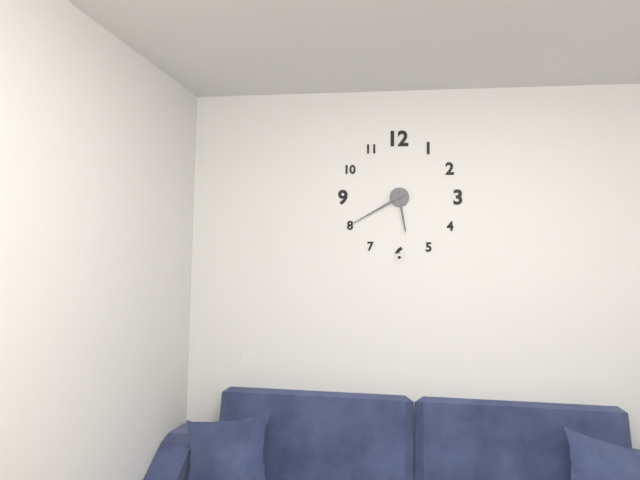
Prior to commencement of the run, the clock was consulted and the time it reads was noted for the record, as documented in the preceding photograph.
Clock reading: 5:40
